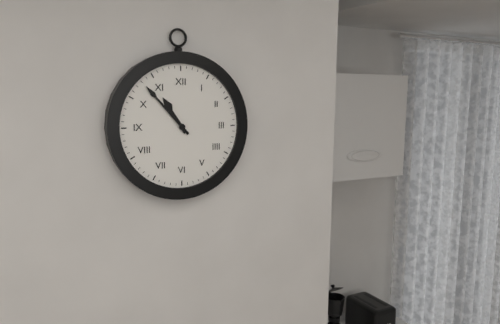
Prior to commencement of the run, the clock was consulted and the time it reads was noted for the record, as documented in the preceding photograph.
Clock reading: 10:53
